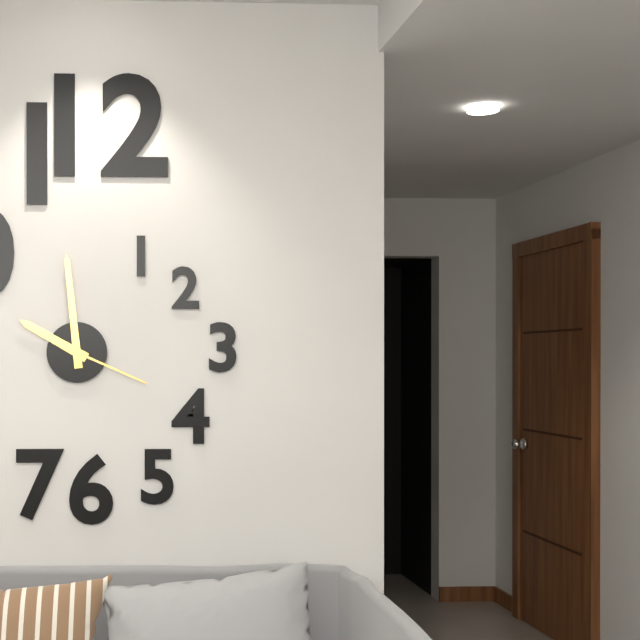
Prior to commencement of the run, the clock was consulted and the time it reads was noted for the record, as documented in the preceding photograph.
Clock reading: 9:59:19
